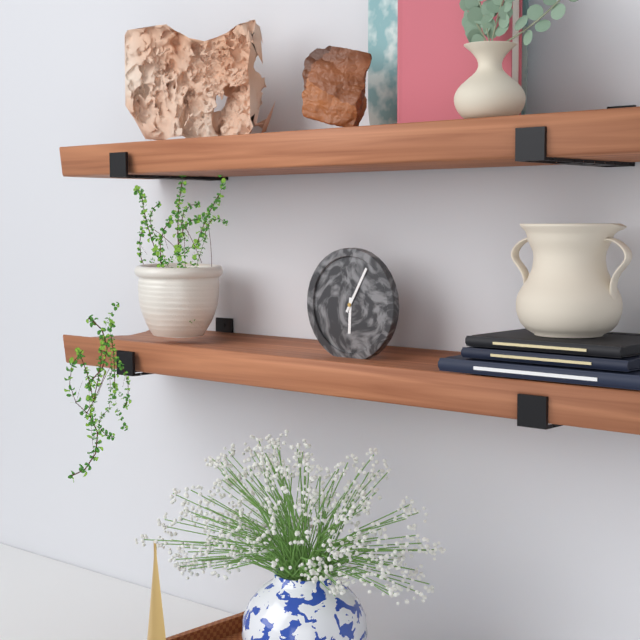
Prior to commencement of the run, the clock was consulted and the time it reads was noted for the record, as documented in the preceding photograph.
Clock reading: 6:05
